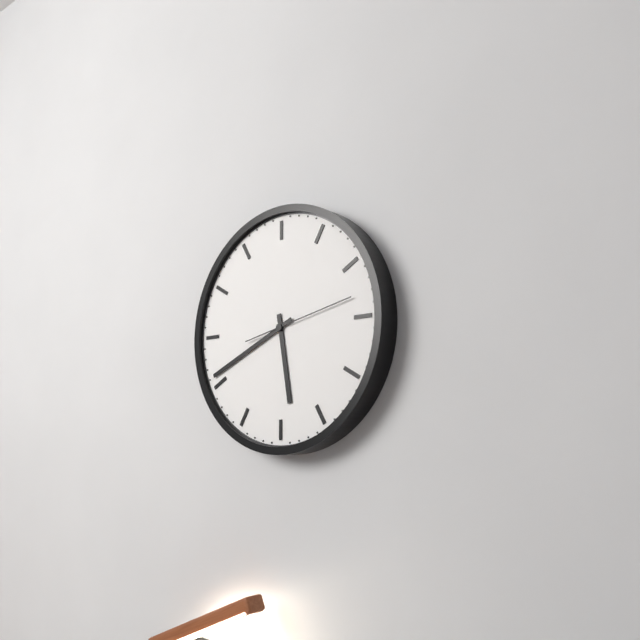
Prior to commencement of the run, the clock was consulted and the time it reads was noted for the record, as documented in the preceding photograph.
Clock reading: 5:41:13
